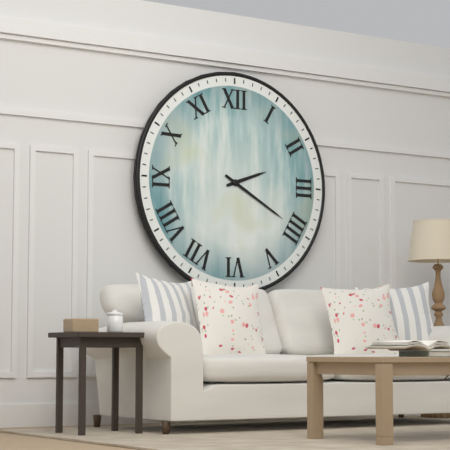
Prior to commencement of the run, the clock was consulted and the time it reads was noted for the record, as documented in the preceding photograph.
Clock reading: 2:20
